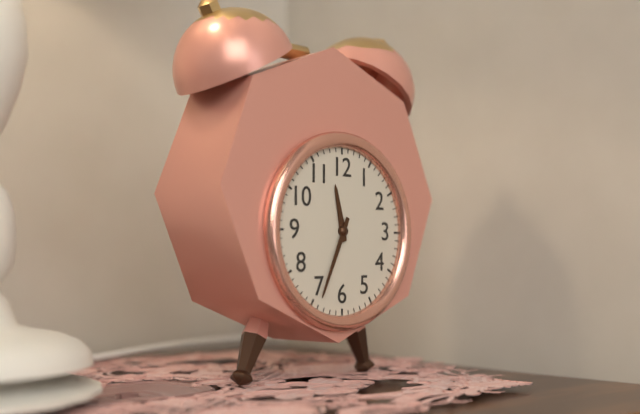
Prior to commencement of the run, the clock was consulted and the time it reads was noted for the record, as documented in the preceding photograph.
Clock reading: 11:34
